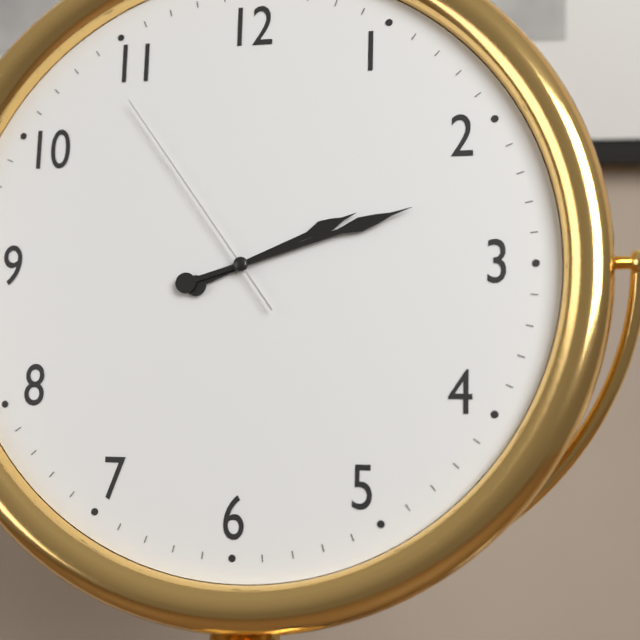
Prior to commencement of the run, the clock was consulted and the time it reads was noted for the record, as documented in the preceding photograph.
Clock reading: 2:12:54
